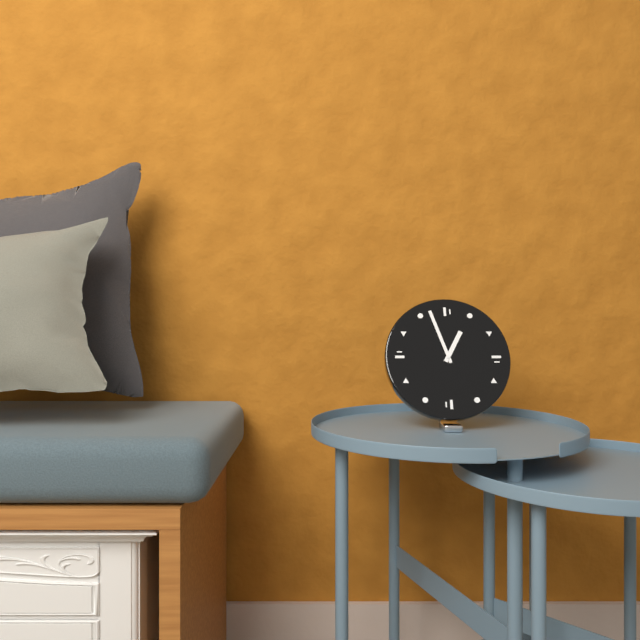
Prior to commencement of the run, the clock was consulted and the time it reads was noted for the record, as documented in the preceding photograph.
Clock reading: 12:57
